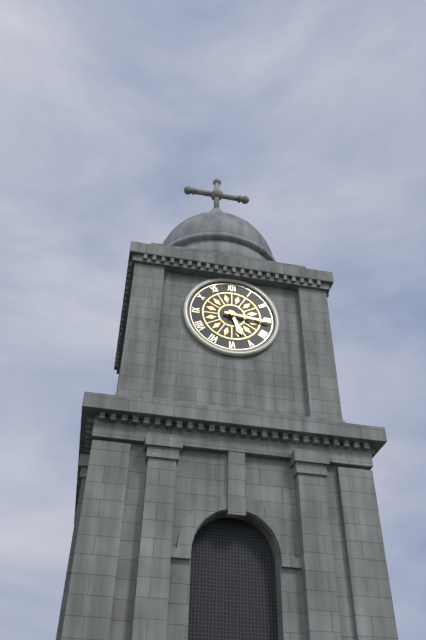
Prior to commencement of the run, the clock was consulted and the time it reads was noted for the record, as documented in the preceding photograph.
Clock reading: 5:16
